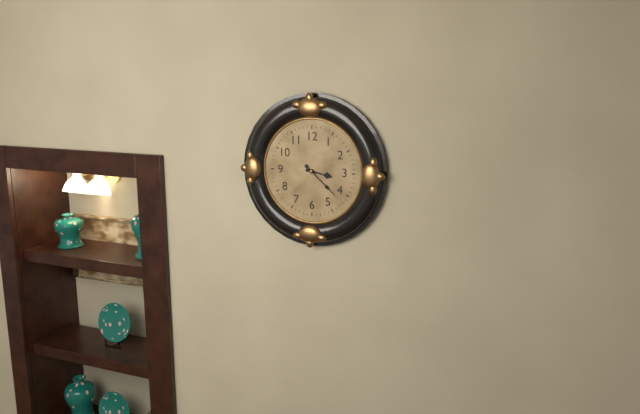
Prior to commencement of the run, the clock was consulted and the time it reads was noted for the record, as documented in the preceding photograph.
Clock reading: 3:22
